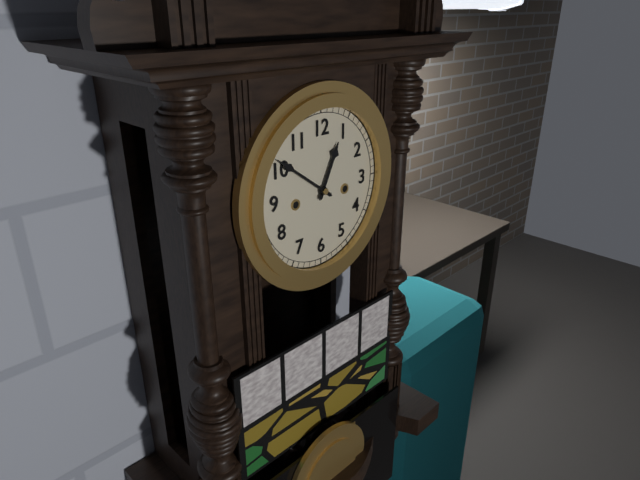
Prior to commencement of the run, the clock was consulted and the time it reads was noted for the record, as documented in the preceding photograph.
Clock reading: 12:51
